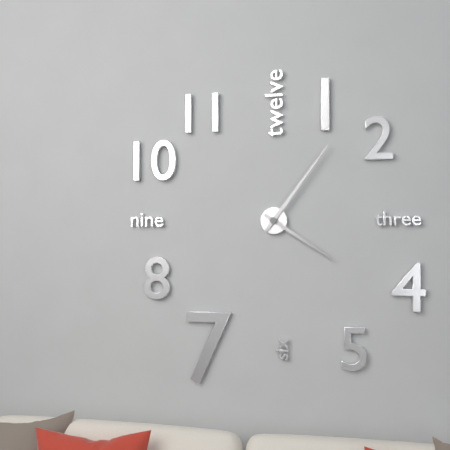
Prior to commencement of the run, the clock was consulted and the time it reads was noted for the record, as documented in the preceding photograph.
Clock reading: 4:06
